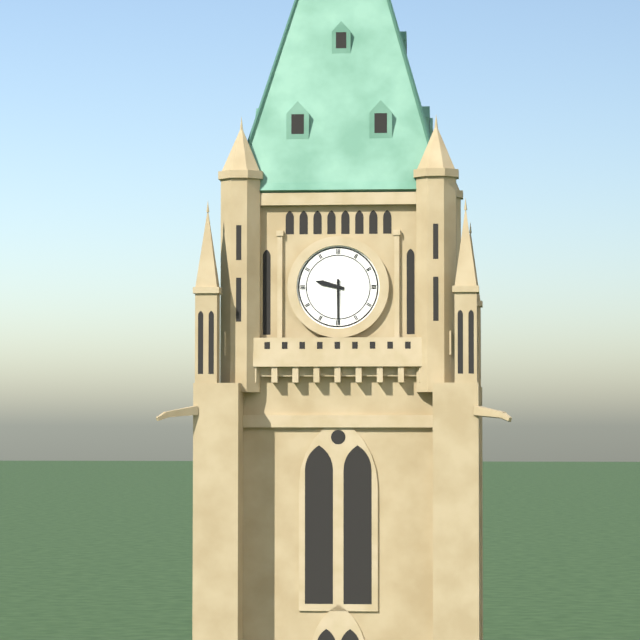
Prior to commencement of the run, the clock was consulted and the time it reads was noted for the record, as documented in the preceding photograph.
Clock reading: 9:30
